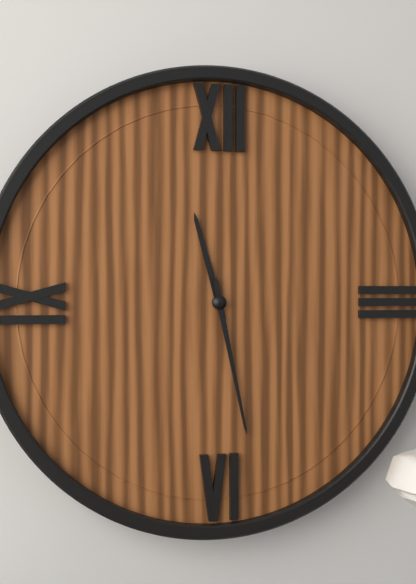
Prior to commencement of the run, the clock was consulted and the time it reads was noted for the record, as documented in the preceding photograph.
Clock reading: 11:28
